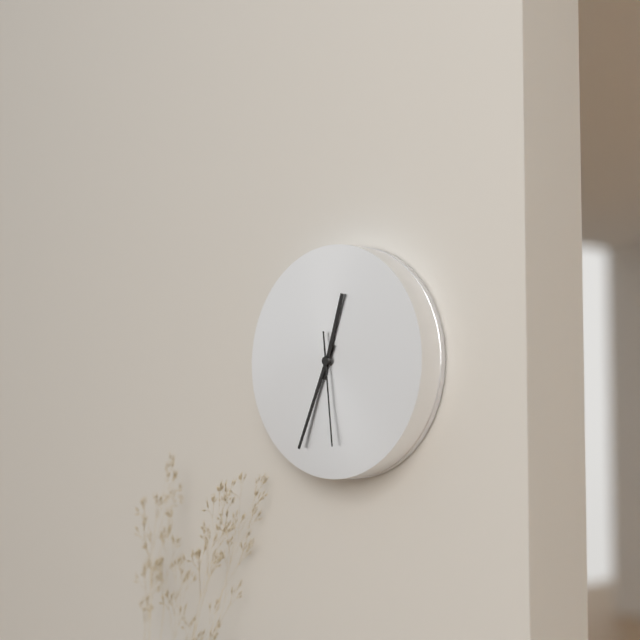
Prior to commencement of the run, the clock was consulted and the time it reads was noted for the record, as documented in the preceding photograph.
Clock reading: 12:34:29
